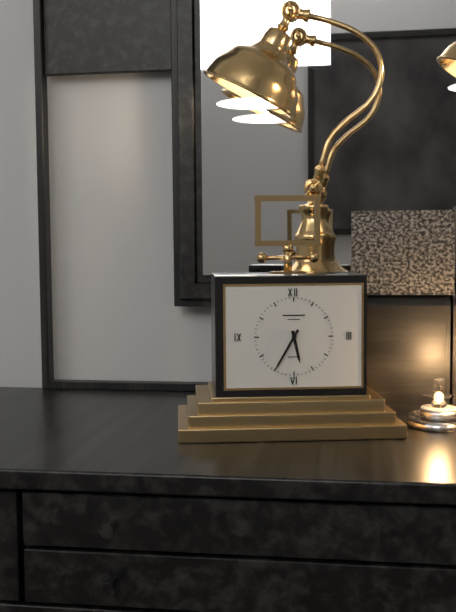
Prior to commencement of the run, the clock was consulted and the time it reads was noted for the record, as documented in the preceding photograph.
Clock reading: 5:35
